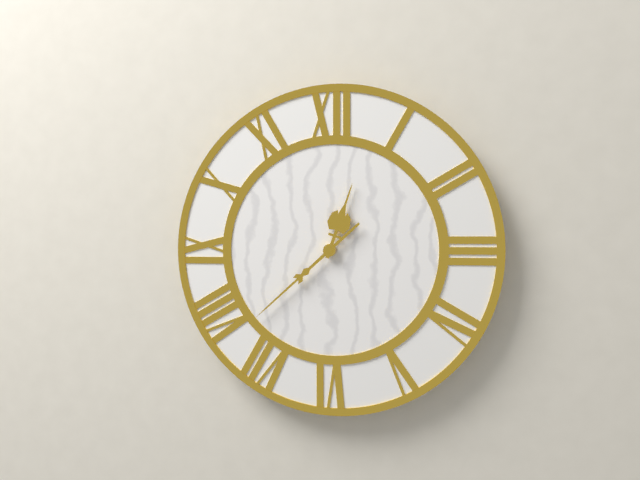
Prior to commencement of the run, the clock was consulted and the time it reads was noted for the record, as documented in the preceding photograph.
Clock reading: 12:38
